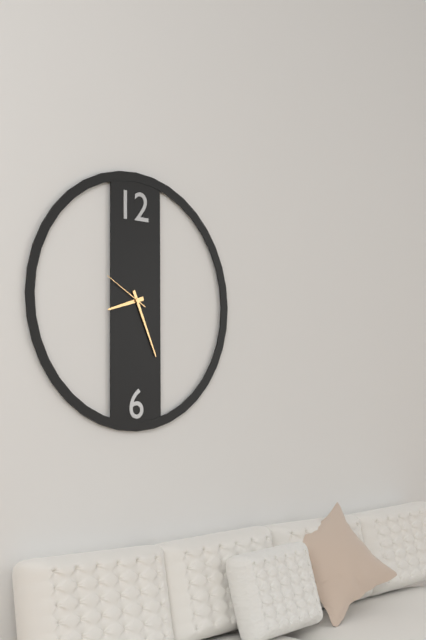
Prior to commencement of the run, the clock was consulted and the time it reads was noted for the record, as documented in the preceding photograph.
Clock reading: 8:26
